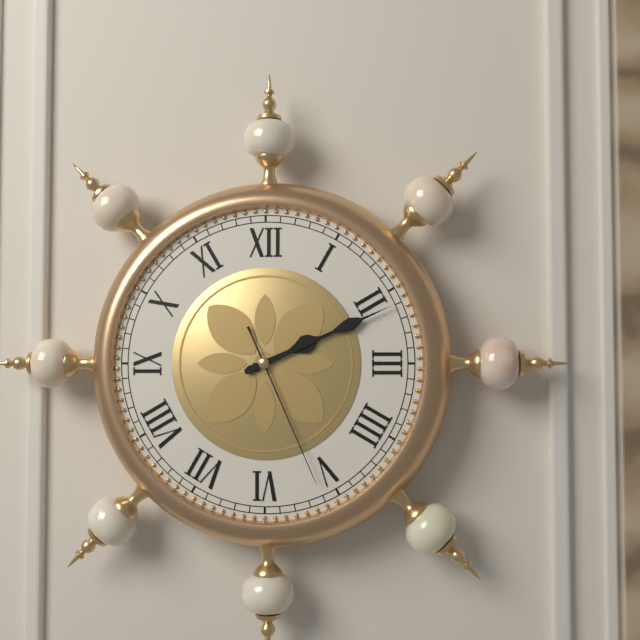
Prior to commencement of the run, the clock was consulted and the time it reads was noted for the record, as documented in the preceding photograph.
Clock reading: 2:11:26
